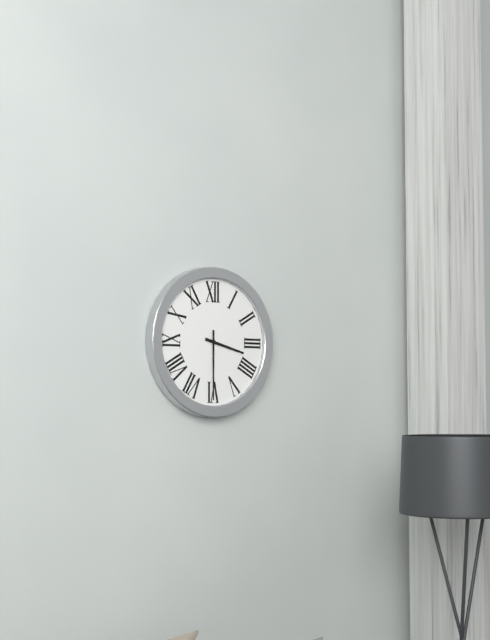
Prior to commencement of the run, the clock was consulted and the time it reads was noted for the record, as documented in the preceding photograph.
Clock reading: 3:30
